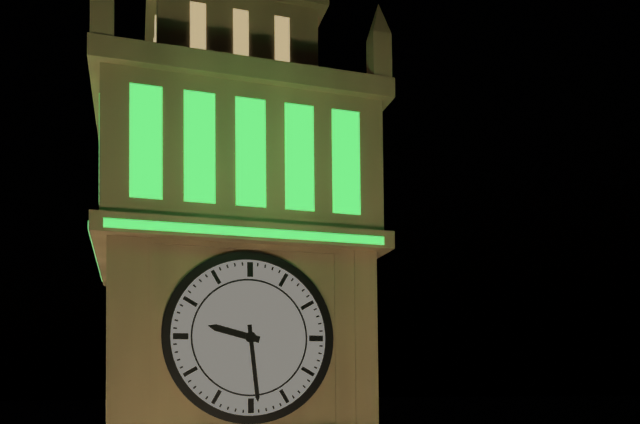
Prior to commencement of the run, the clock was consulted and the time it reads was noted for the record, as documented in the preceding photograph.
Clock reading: 9:29
